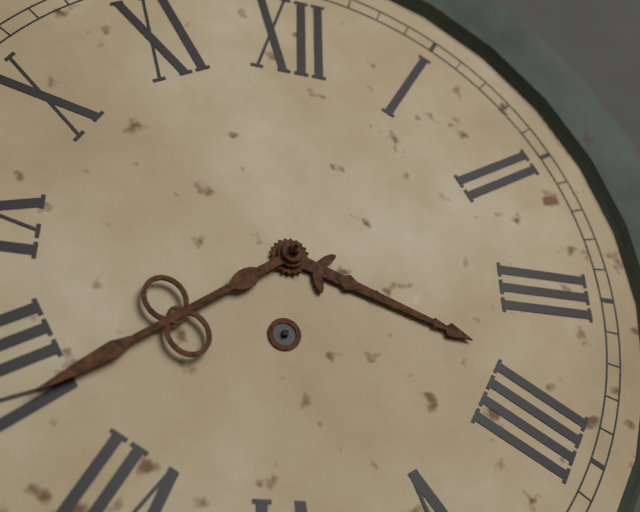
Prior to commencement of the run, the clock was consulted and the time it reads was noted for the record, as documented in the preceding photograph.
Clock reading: 3:39
